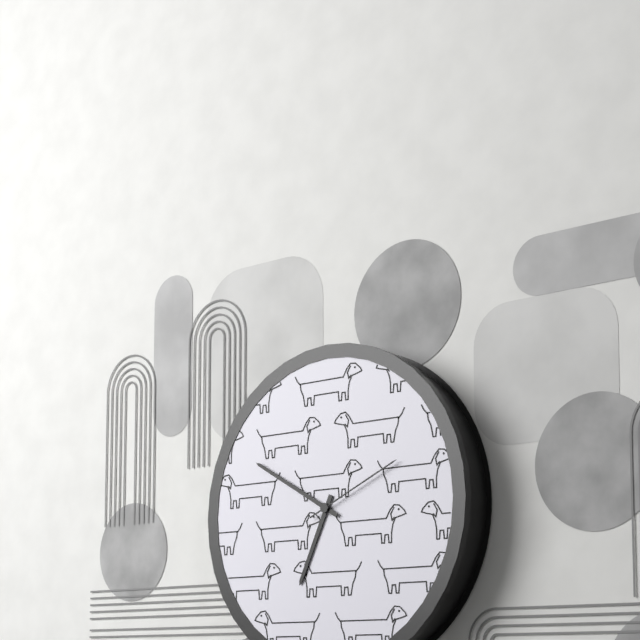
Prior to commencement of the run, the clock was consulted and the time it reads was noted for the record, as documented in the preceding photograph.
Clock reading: 6:50:11
